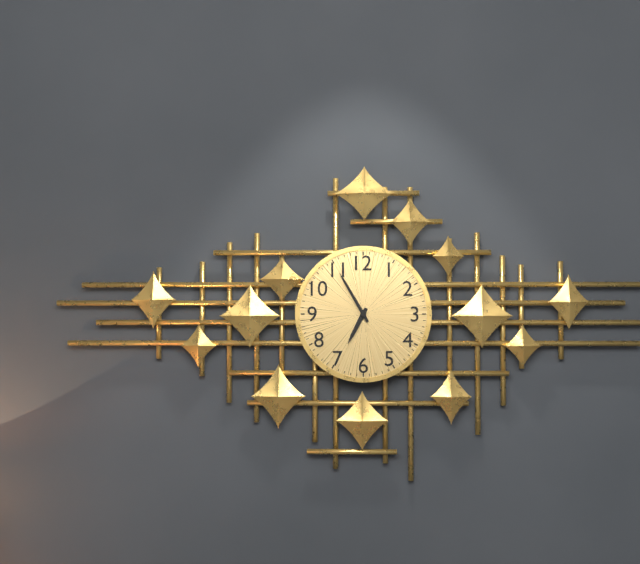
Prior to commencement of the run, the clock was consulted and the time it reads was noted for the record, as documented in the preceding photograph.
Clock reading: 6:55
